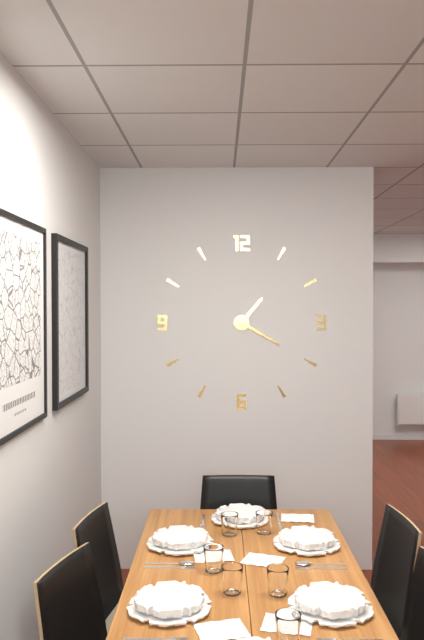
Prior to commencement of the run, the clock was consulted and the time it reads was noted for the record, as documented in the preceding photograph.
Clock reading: 1:20
